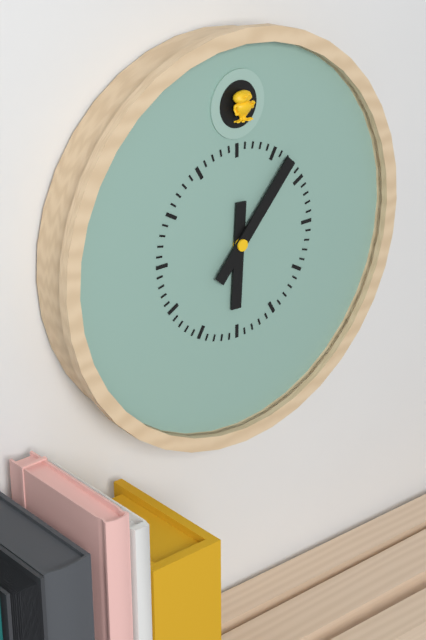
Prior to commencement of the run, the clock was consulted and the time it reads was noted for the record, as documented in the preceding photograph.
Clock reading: 6:07
